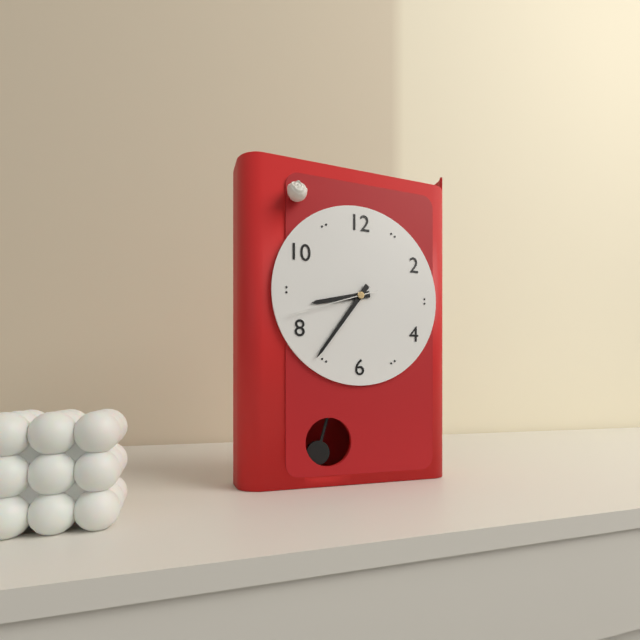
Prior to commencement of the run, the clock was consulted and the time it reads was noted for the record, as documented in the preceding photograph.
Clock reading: 8:36:42
